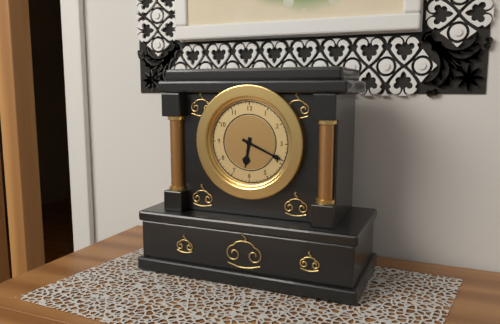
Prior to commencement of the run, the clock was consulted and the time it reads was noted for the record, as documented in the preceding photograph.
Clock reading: 6:19
